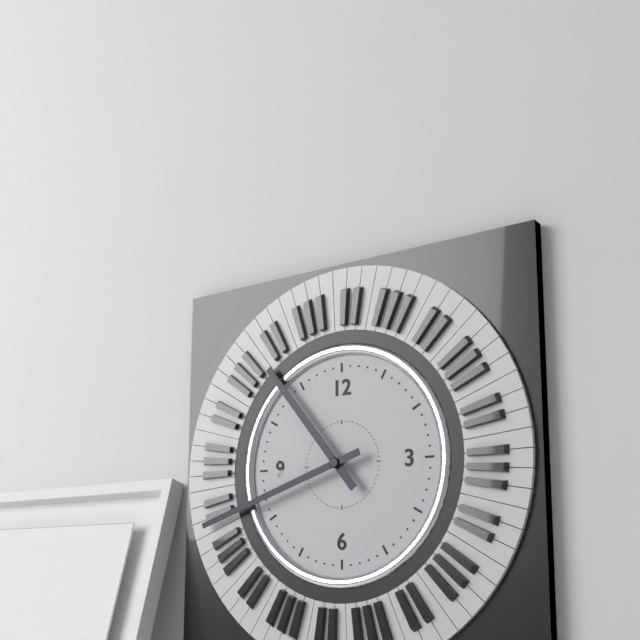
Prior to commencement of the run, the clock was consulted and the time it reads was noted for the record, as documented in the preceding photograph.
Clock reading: 10:42
